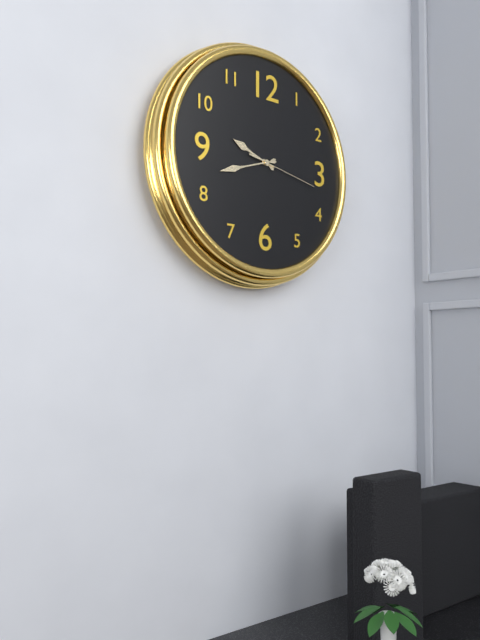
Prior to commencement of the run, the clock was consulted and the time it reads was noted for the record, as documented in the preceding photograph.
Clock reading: 9:42:17
